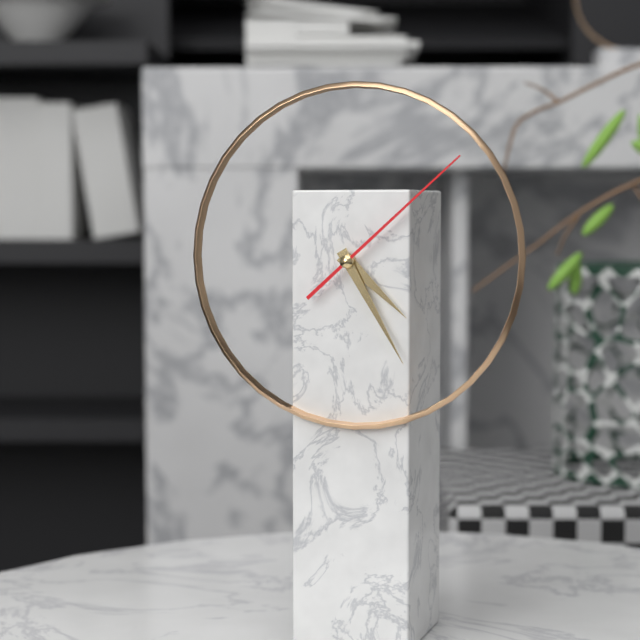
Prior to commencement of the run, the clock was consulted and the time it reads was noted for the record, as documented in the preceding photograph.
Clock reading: 4:25:08
